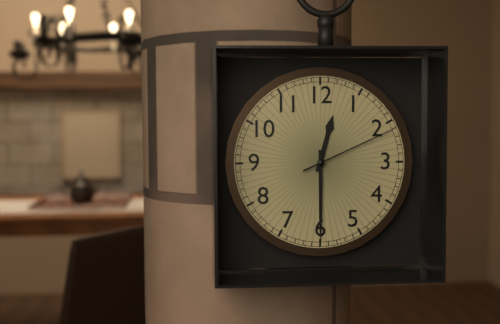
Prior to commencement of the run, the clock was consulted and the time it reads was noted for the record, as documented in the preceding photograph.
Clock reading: 12:30:11
